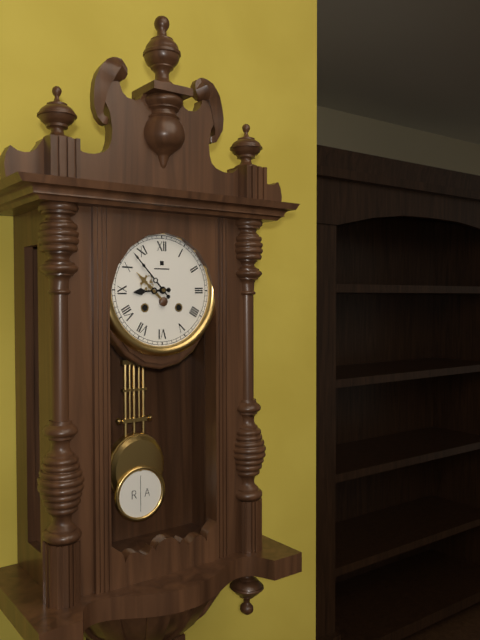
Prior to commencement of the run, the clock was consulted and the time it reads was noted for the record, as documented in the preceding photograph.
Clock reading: 8:53
